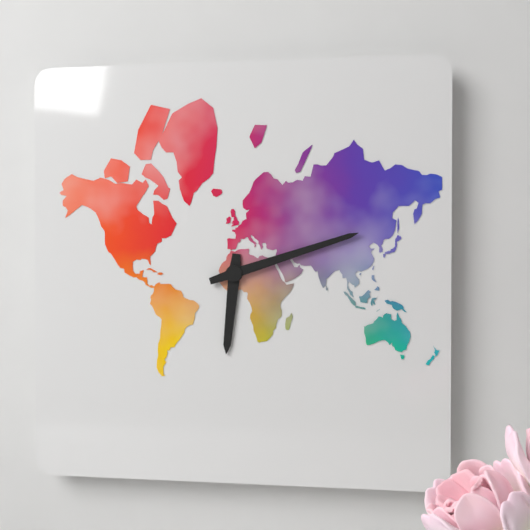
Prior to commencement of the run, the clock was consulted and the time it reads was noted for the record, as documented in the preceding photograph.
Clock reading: 6:12
